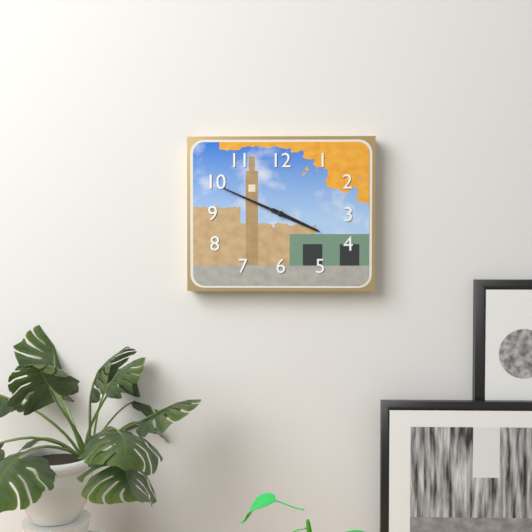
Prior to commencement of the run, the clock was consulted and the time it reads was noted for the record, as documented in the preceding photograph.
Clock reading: 3:49
